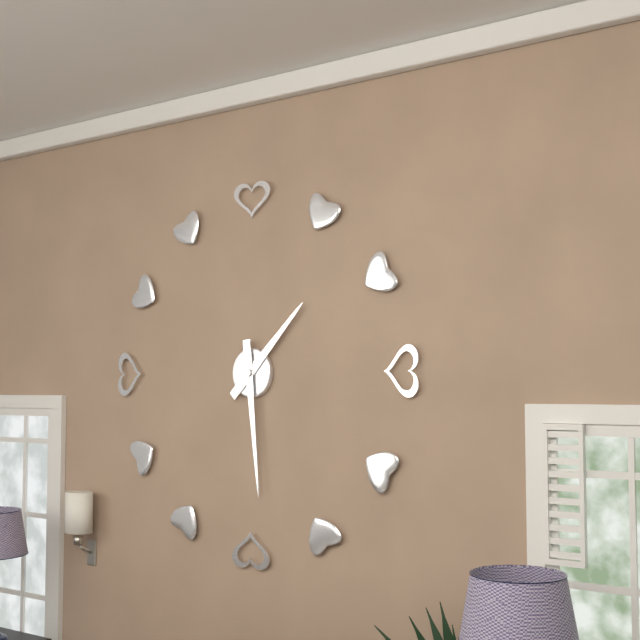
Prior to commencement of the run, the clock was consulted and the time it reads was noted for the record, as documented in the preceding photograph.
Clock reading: 1:29
